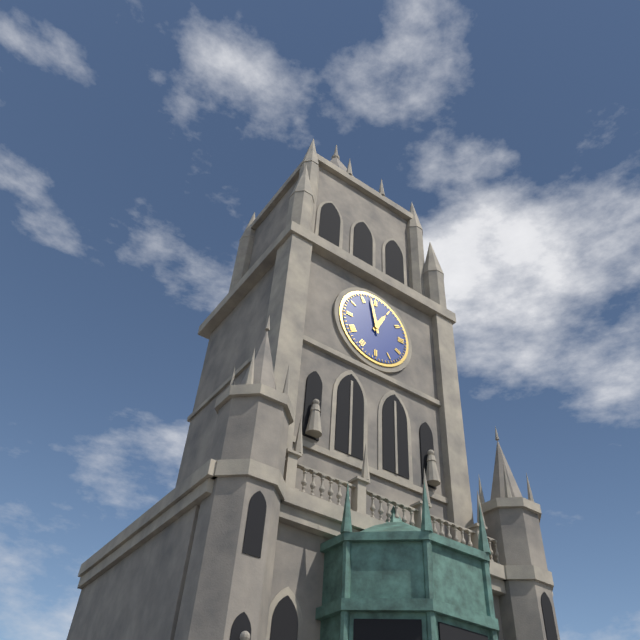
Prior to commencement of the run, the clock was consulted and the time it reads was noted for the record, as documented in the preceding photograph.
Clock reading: 12:58
